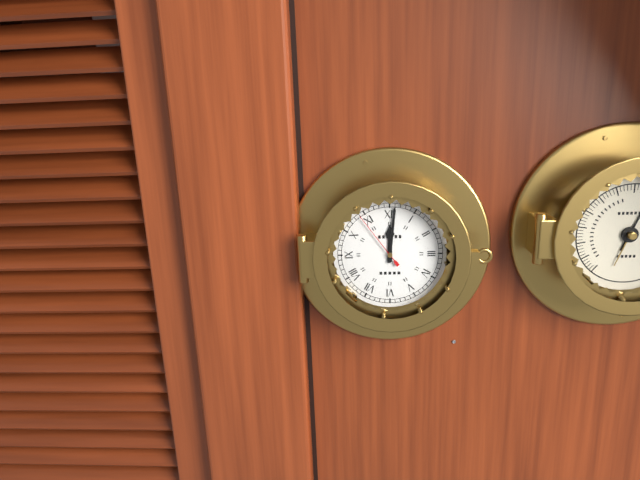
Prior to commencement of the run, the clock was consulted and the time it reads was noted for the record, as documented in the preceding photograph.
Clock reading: 12:01:54
